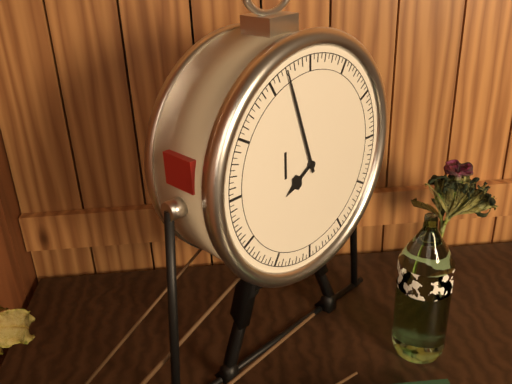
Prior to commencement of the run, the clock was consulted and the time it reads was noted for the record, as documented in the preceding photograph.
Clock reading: 7:57
